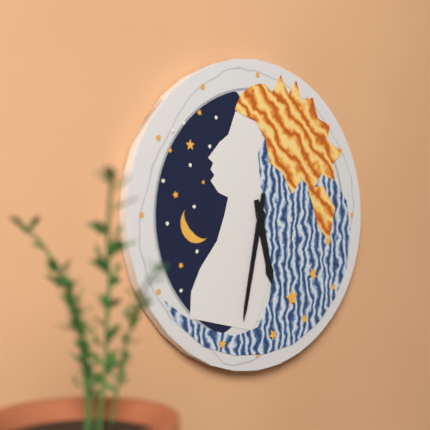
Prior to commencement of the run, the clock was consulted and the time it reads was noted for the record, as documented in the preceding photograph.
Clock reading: 5:32
